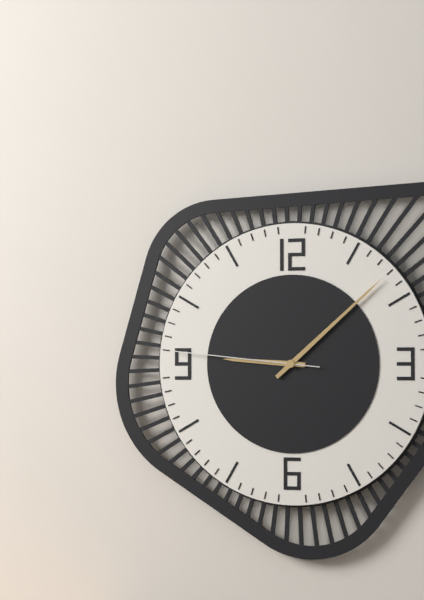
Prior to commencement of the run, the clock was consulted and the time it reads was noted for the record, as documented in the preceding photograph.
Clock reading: 9:08:46
